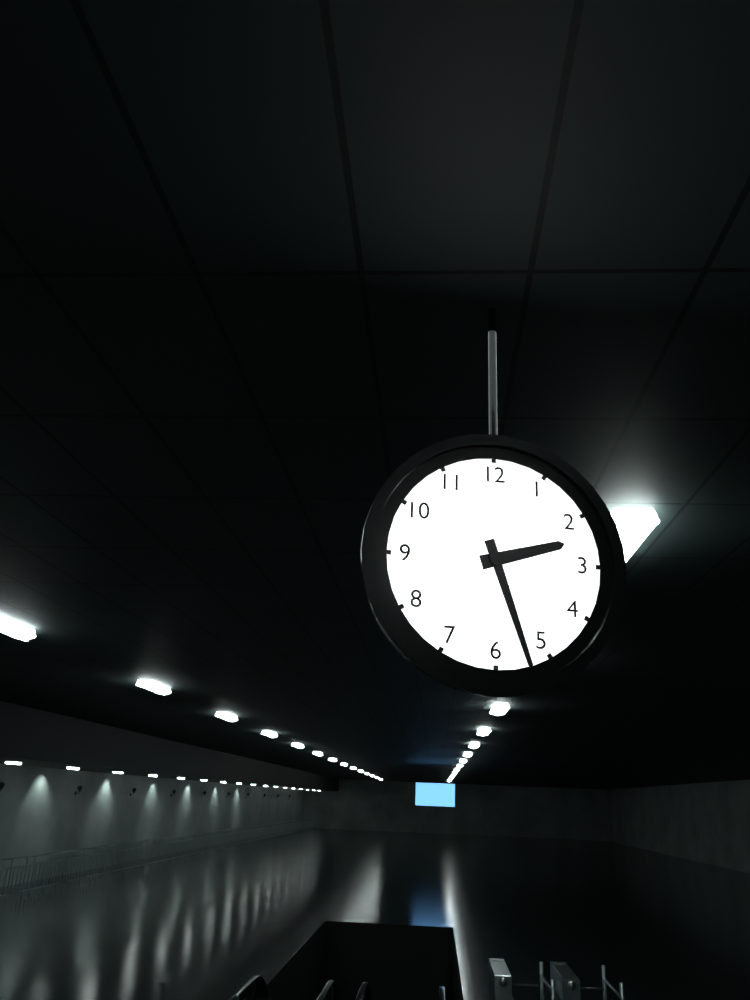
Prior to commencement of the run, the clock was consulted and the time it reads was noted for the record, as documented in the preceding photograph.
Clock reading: 2:27
